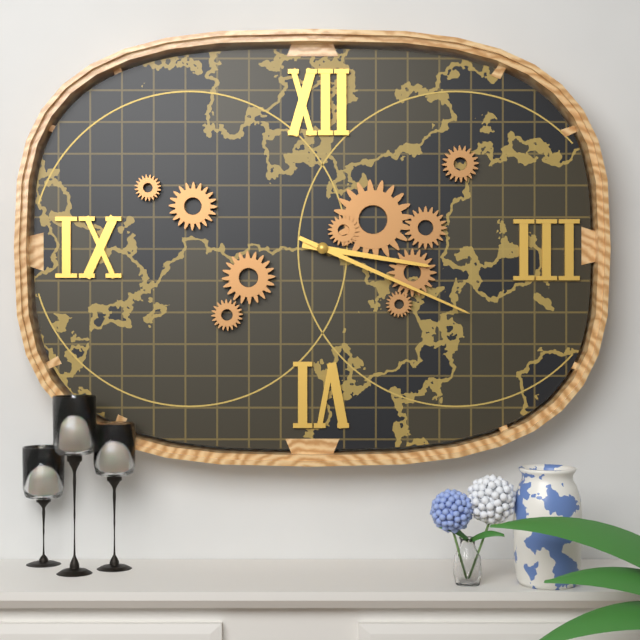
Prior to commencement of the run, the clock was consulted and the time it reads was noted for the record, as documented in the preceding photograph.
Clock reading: 3:19
